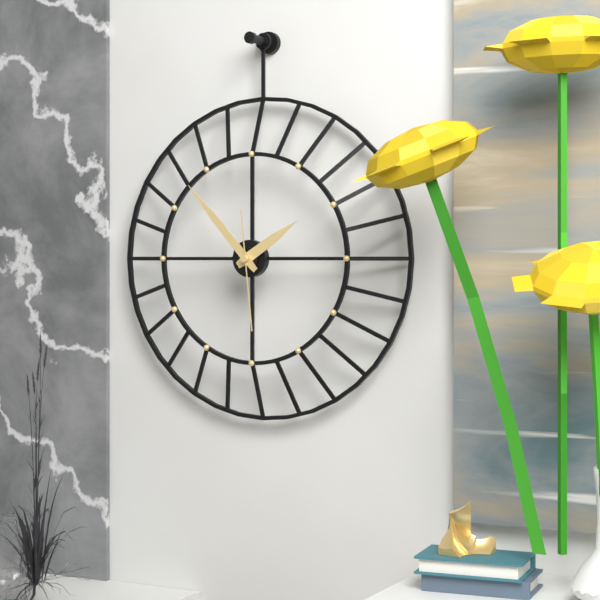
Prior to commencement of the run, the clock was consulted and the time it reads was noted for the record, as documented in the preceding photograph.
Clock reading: 1:53:29
